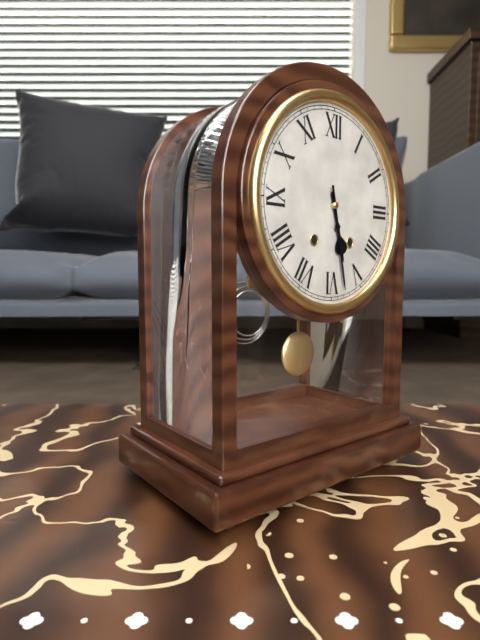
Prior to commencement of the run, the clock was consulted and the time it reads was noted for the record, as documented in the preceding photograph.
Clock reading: 5:28
